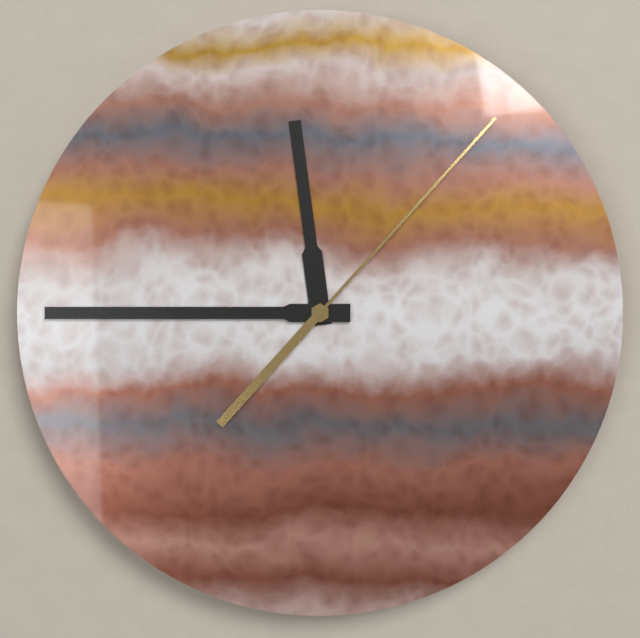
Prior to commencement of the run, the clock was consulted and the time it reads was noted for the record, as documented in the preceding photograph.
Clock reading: 11:45:07
